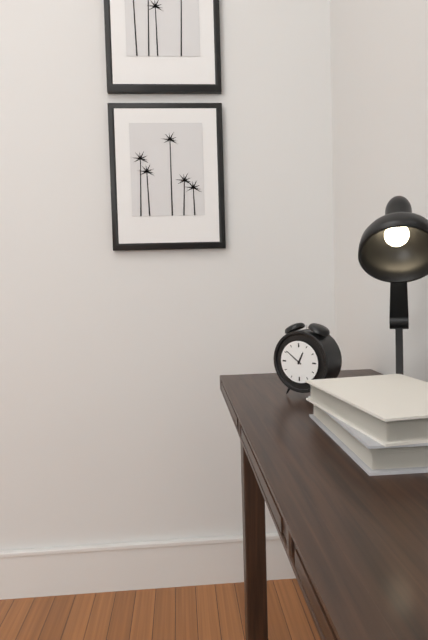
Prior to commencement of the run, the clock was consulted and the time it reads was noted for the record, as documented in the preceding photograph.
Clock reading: 12:51
